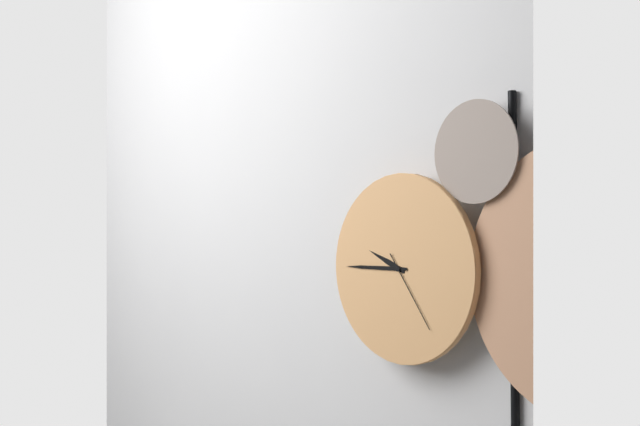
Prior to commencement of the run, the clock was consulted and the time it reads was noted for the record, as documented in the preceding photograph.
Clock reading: 9:45:24
